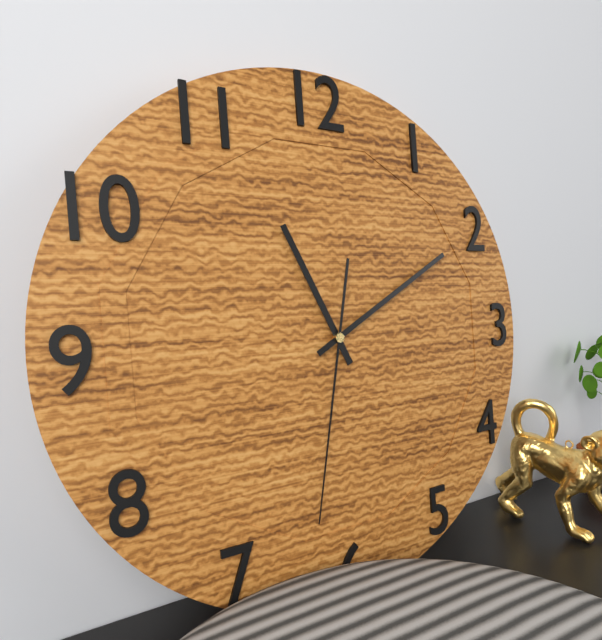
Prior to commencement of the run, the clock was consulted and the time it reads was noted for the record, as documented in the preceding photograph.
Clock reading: 11:10:32
